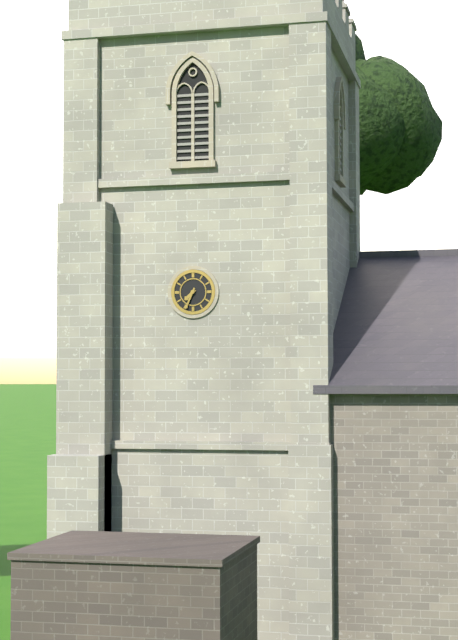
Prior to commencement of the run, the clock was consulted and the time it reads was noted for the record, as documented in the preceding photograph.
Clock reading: 7:34
